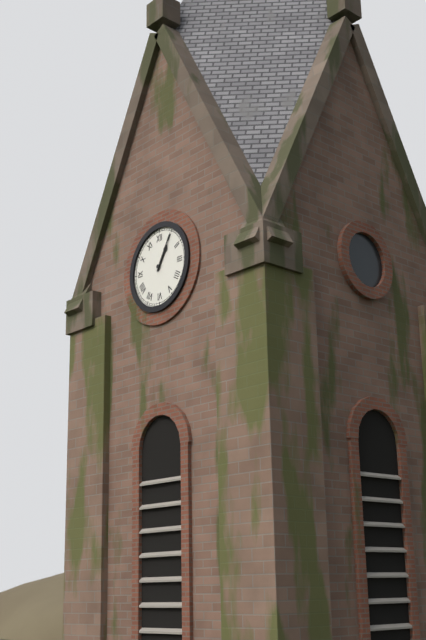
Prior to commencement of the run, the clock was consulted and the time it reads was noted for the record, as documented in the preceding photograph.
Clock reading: 1:05
